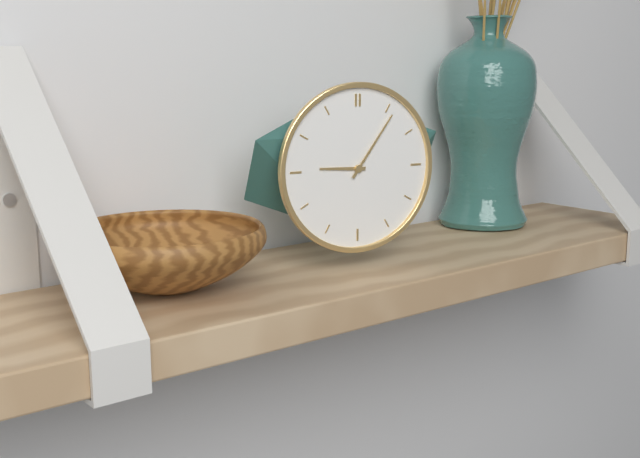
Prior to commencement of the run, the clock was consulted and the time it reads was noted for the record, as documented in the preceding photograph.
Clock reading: 9:06
